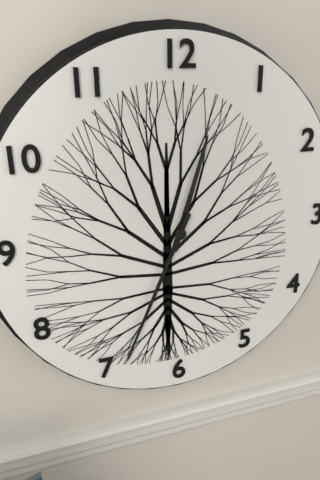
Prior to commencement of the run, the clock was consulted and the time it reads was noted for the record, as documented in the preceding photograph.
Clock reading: 12:34
